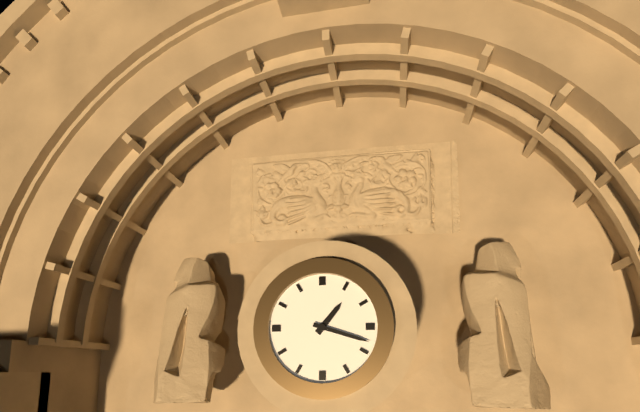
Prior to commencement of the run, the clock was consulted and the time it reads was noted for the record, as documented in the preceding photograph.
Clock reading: 1:18
